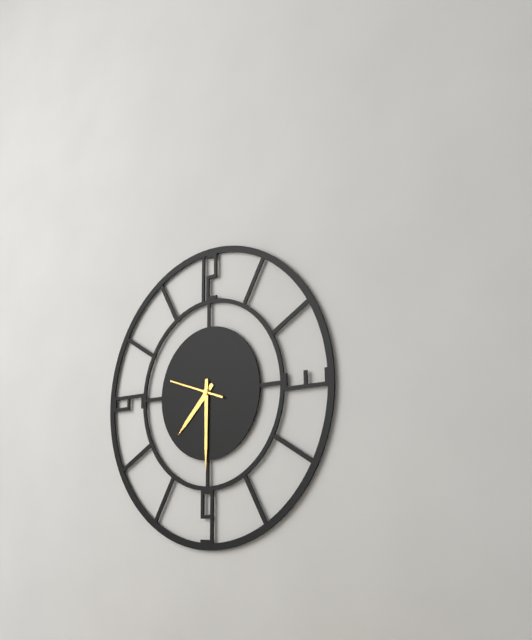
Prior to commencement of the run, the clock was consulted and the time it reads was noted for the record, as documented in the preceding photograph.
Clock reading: 7:30:48
